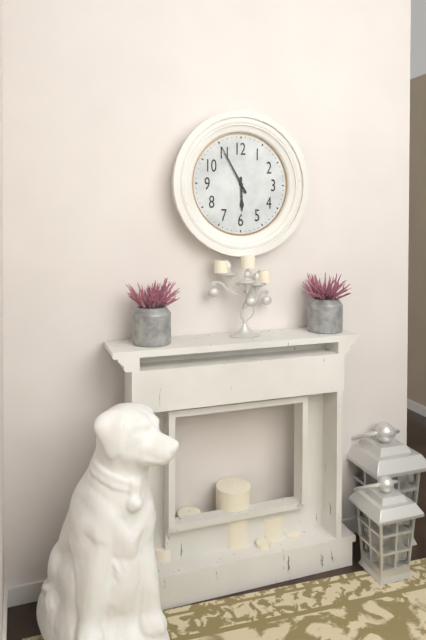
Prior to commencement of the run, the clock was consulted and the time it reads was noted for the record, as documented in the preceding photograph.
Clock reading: 5:55
